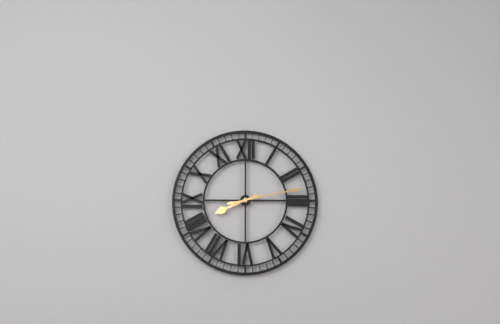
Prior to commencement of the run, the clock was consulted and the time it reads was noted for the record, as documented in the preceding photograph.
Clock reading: 8:13
